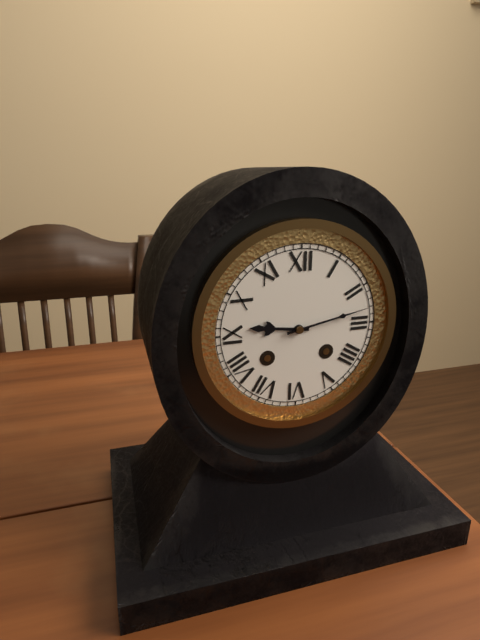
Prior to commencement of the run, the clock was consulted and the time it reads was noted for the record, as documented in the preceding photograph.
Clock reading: 9:13
